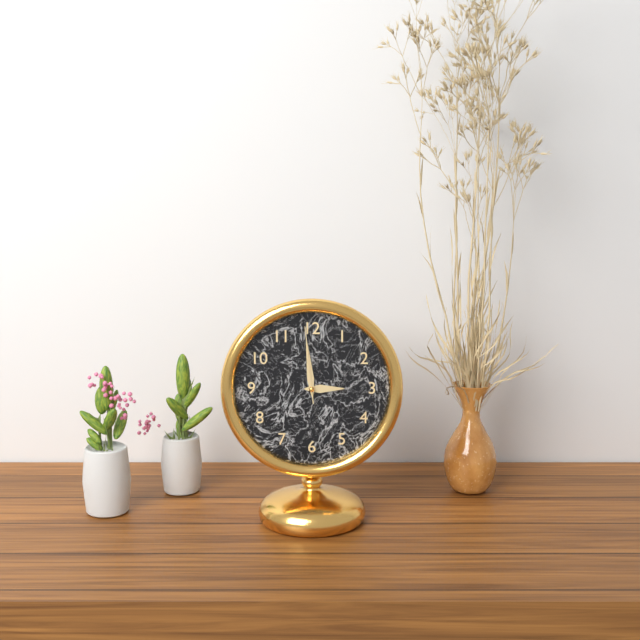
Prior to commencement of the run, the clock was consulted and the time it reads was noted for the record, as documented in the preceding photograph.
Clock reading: 2:59:59
